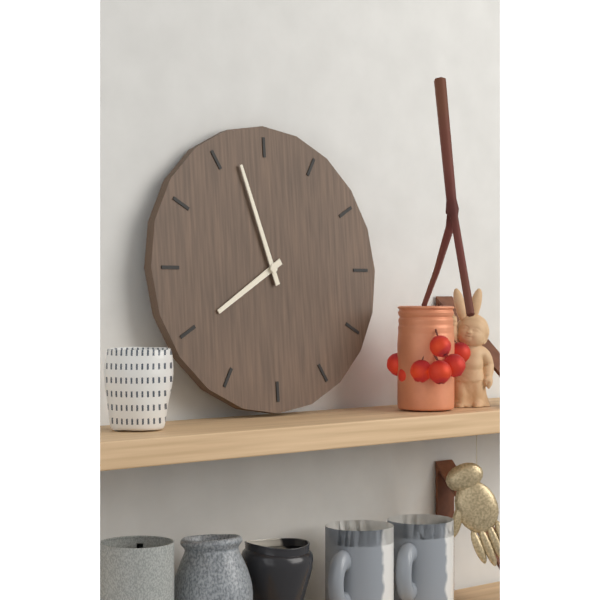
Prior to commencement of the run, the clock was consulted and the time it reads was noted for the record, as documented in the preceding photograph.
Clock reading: 7:57
